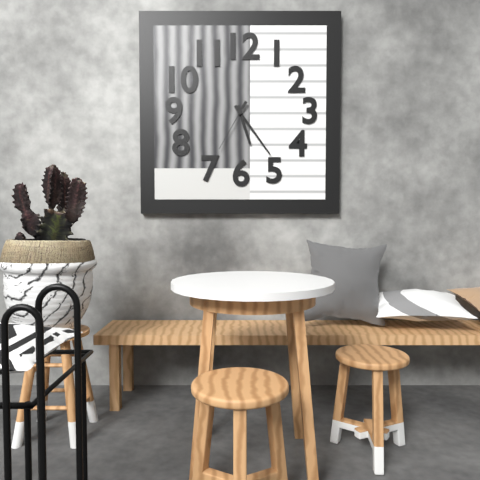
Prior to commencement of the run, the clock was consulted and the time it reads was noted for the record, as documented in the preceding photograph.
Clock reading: 5:24:35
